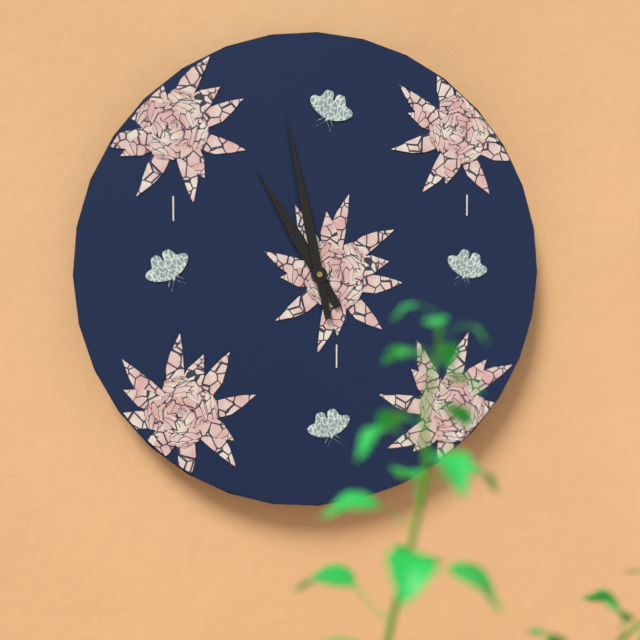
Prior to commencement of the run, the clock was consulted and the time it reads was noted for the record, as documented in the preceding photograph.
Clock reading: 10:58
